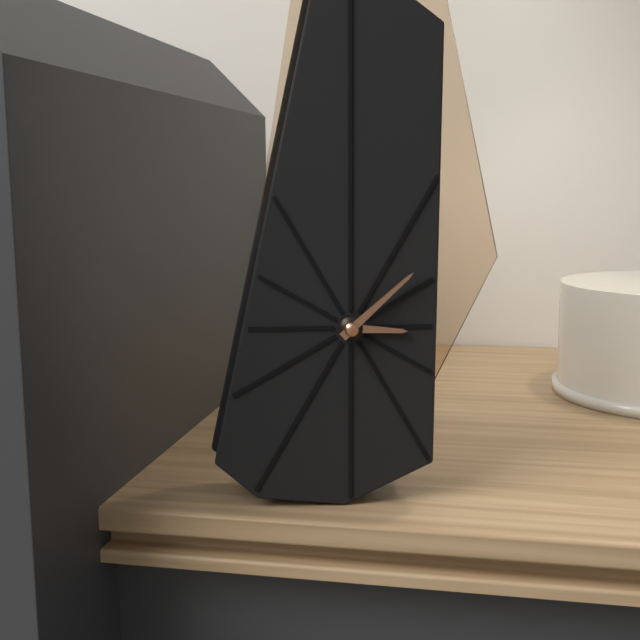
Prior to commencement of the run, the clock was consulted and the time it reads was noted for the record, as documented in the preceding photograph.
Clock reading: 3:08
